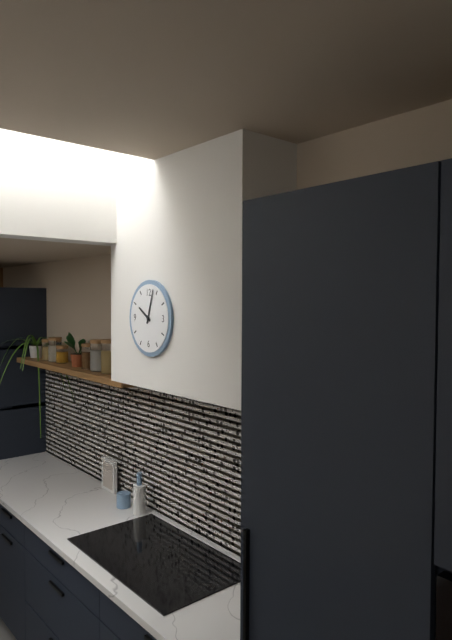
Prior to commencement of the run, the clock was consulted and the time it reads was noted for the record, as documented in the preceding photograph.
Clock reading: 10:03
